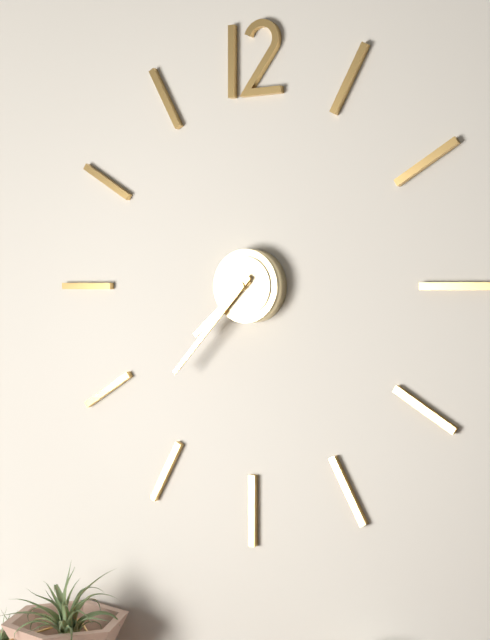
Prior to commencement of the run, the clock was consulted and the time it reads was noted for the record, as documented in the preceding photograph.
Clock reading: 7:37
